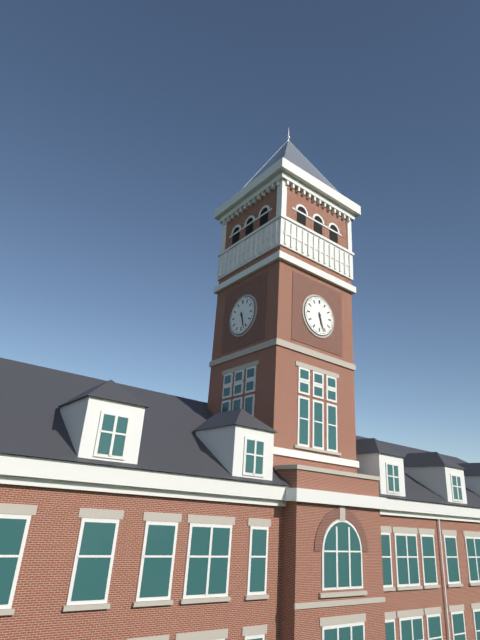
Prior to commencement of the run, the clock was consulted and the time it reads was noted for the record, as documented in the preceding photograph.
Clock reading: 5:27
